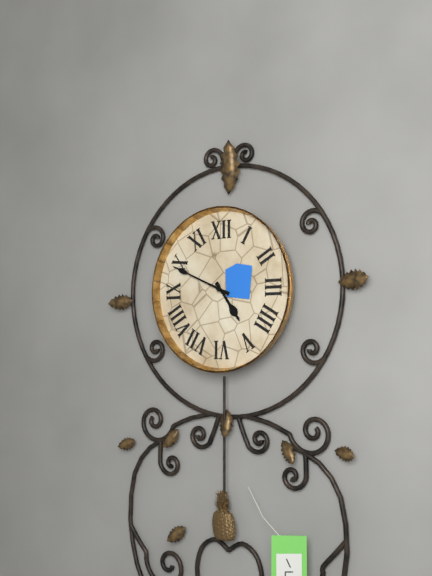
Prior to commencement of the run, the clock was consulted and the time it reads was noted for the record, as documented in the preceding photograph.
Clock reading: 4:49
